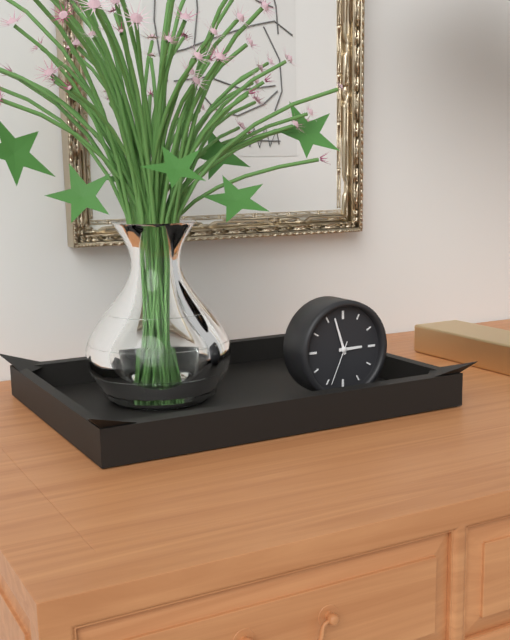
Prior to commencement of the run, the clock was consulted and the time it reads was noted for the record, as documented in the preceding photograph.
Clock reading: 2:57
